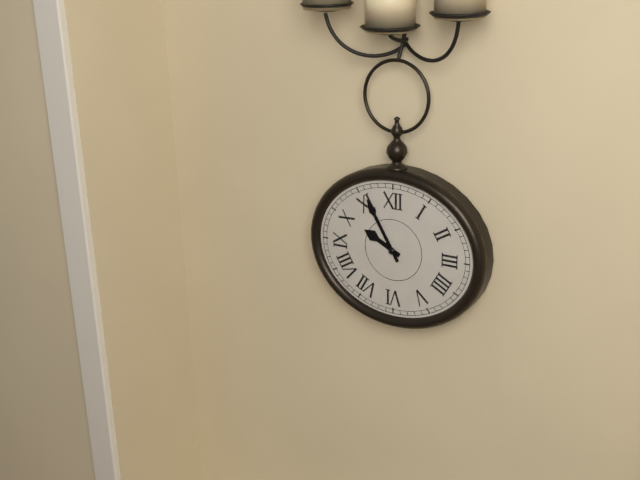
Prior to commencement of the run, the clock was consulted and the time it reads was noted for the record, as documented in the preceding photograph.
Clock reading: 9:55
